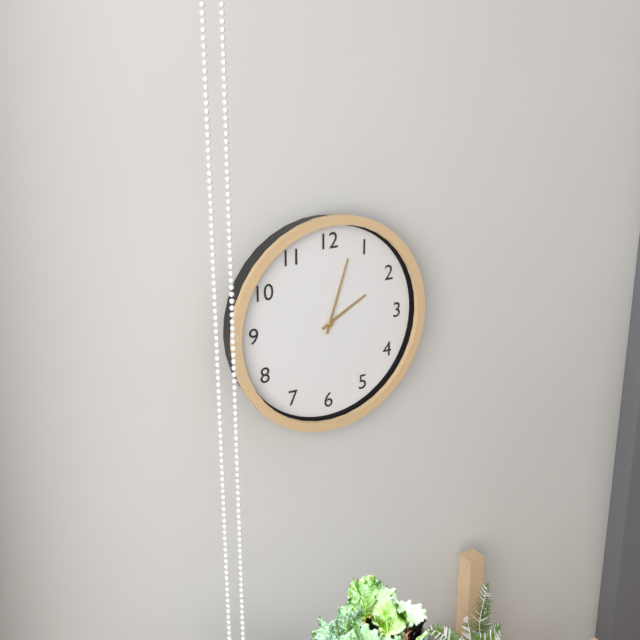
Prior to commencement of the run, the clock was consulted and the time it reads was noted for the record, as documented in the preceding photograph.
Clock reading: 2:03
